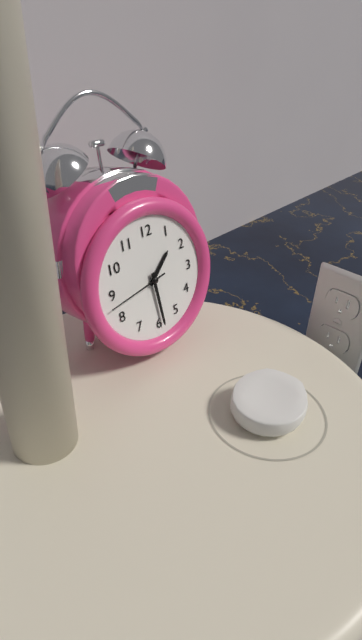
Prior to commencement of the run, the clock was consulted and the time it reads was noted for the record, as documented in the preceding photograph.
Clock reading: 1:29:43
